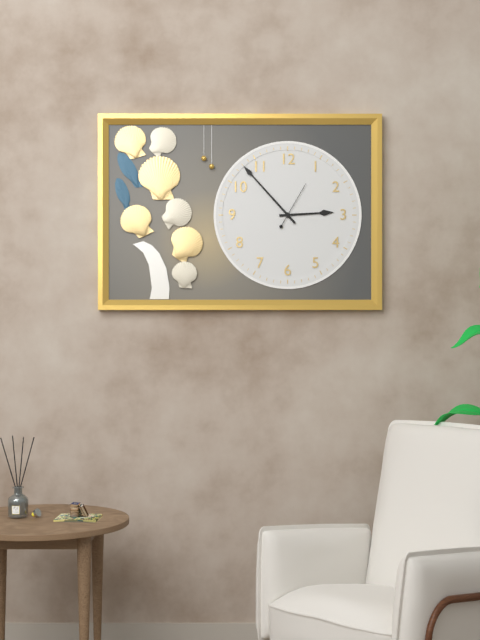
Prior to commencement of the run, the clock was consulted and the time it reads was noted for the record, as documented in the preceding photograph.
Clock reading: 2:53
